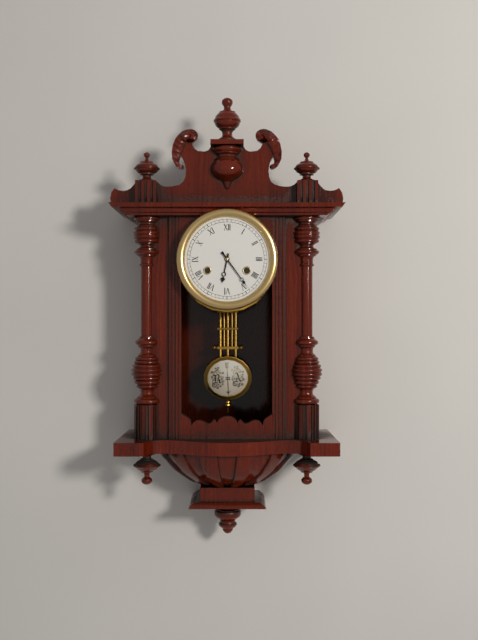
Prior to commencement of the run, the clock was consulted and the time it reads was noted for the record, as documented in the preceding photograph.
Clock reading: 6:24
